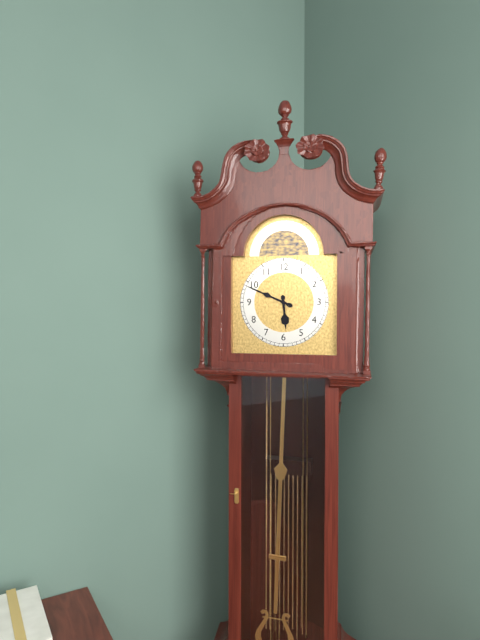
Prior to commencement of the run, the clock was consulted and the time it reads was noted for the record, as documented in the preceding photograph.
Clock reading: 5:49
